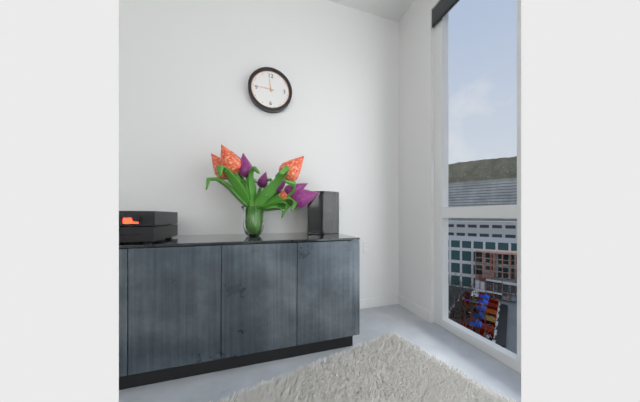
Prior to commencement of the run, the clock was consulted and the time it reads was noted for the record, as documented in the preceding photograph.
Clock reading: 11:46
